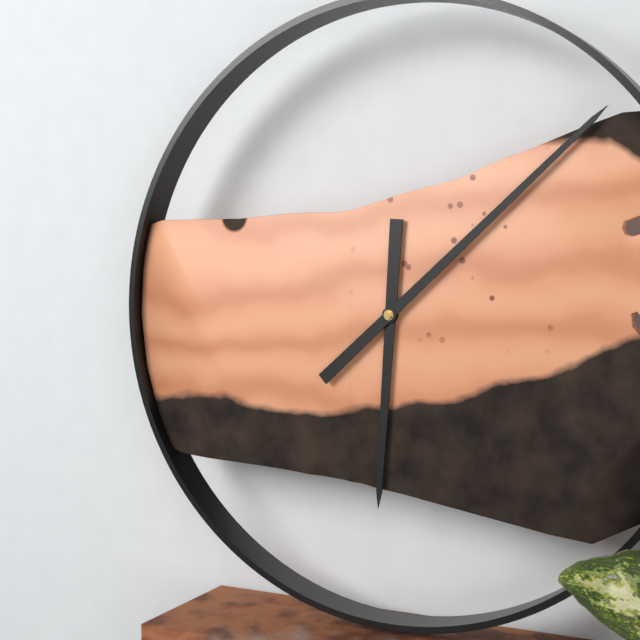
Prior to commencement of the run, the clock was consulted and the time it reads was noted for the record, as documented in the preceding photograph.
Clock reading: 6:08
